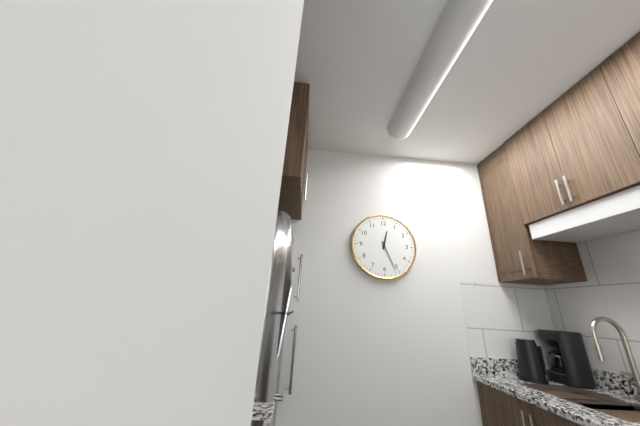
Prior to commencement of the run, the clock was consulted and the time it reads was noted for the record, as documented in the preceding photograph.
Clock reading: 12:26
